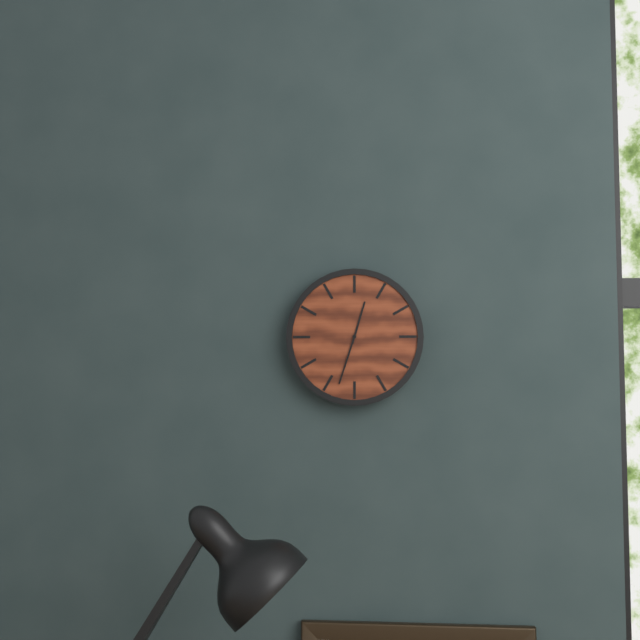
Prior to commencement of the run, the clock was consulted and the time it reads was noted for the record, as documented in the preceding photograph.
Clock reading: 12:33
